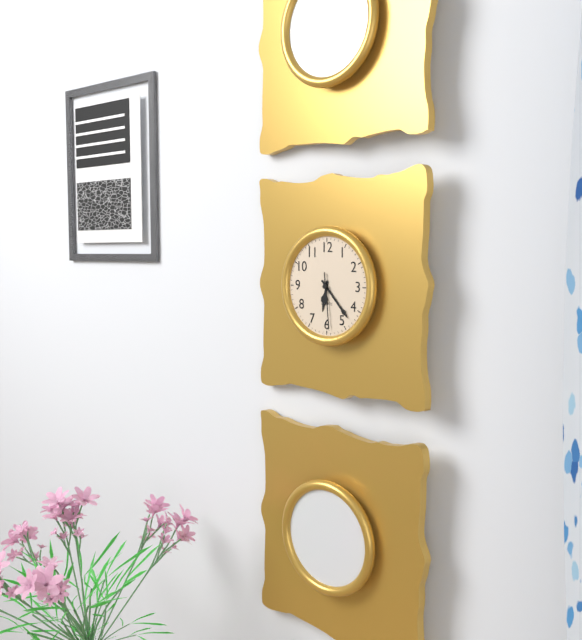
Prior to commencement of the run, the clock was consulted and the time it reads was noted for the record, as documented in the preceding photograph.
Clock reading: 6:23:29
